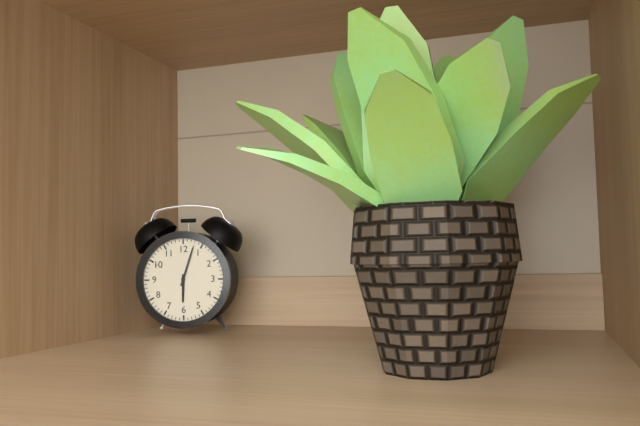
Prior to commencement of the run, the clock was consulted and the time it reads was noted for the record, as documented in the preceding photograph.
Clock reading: 6:03
